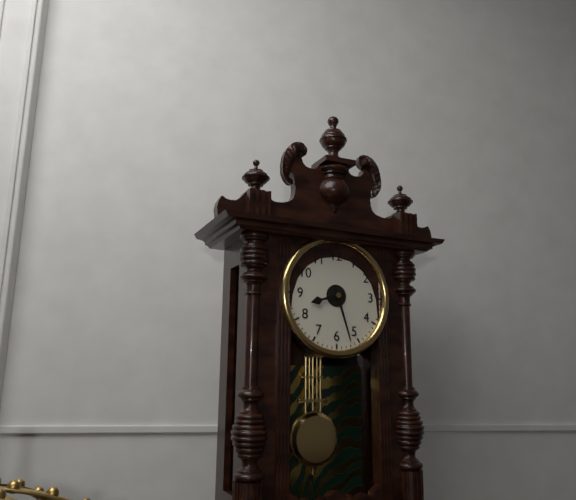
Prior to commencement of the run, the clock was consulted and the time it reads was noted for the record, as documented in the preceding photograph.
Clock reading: 8:27
